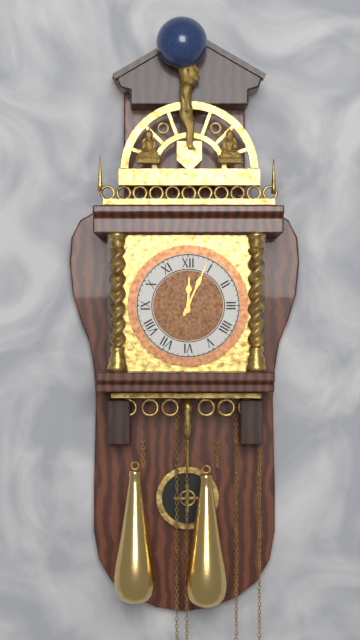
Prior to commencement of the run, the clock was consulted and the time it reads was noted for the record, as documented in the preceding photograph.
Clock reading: 12:04
